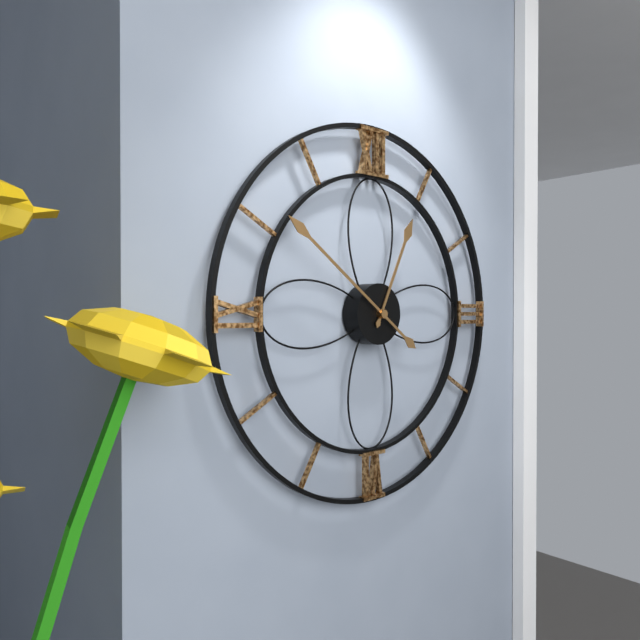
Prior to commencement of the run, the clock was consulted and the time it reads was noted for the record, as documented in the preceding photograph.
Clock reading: 12:51
